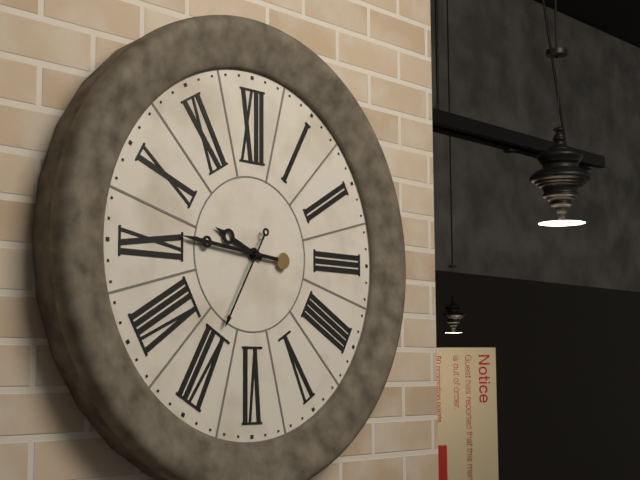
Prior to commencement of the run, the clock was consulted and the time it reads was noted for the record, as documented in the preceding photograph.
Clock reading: 9:46:35
